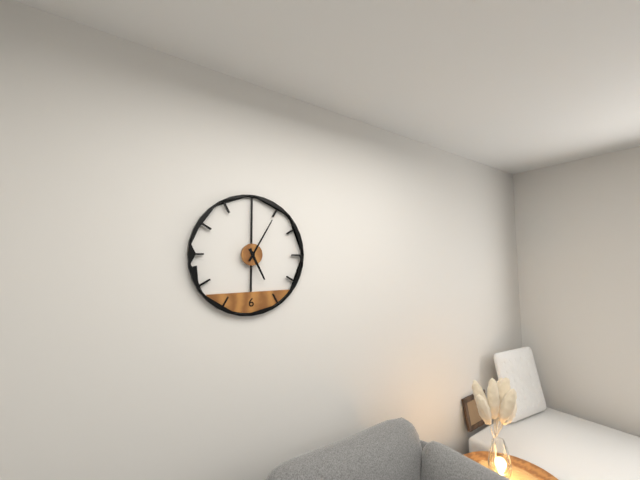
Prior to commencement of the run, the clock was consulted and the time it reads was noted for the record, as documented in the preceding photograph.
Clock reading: 5:05
